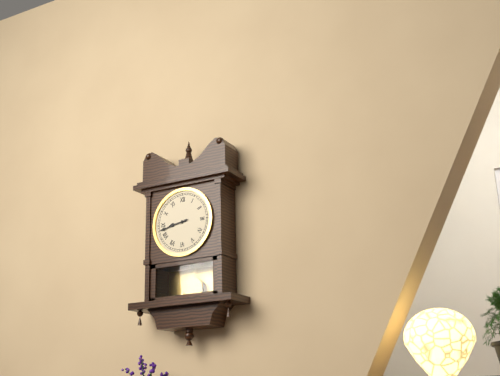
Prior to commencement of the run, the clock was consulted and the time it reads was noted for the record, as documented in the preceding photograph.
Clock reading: 8:43
